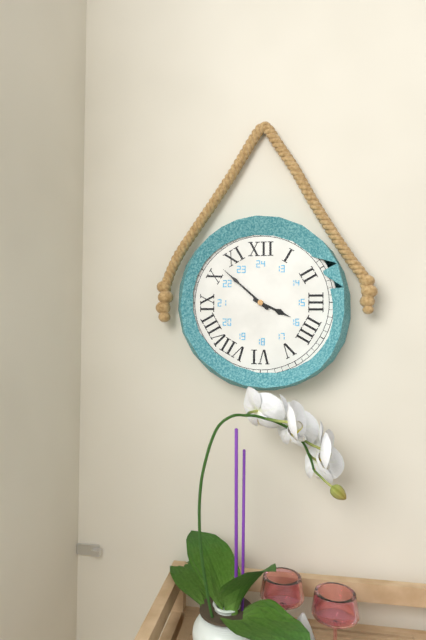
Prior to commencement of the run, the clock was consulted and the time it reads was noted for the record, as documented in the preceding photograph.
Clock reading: 3:52
